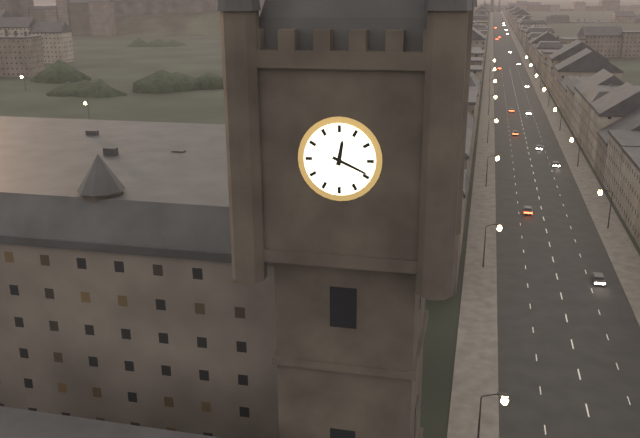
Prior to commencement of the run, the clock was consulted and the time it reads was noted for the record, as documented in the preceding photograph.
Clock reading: 12:19
